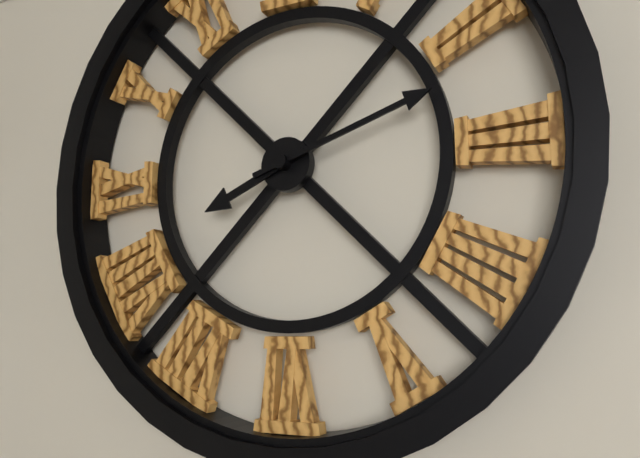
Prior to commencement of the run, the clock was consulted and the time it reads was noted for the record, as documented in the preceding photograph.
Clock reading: 8:12
